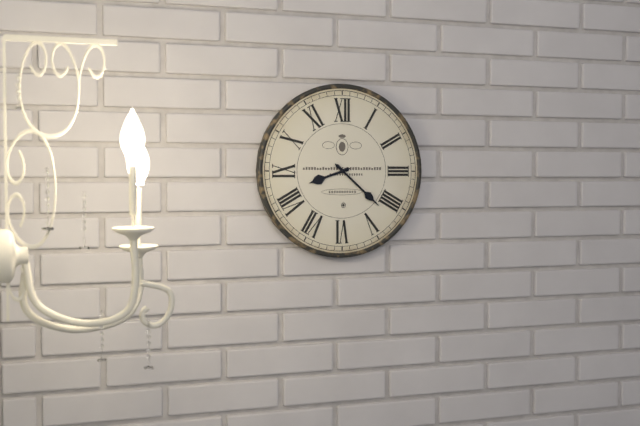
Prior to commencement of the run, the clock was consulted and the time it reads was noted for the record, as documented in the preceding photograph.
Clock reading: 8:22
